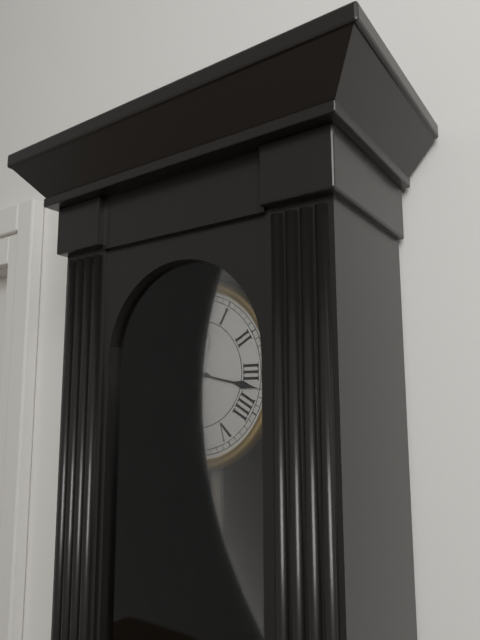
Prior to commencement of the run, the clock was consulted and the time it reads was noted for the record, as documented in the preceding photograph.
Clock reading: 9:17
